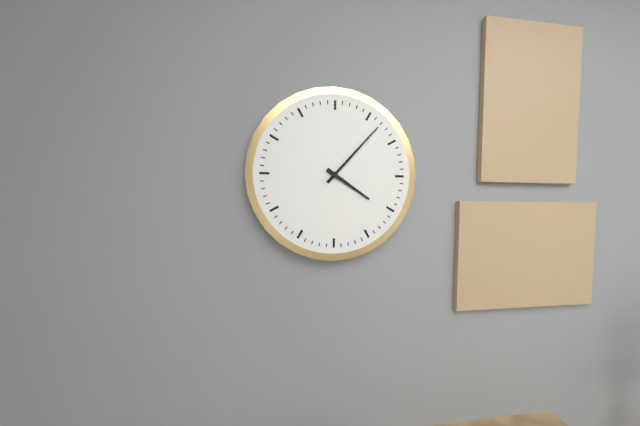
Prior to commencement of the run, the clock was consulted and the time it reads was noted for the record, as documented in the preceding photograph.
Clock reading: 4:07
